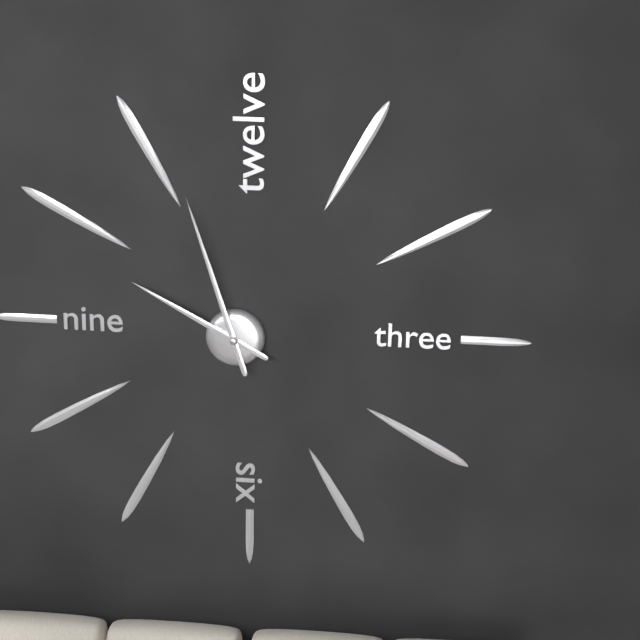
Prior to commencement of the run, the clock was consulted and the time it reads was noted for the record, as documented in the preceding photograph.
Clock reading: 9:57
